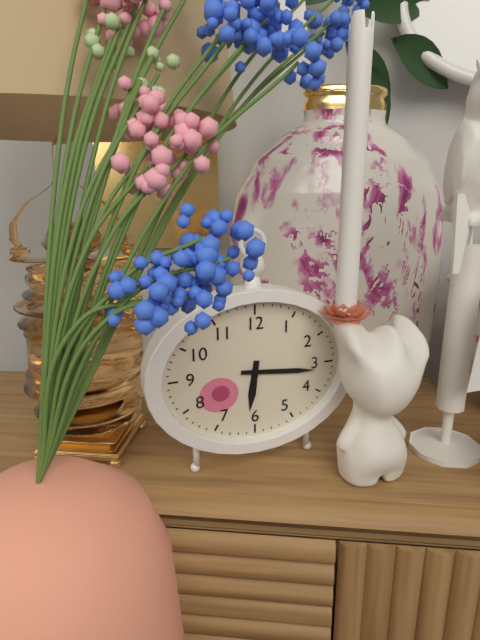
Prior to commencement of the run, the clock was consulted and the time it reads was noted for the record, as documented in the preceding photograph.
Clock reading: 6:16
